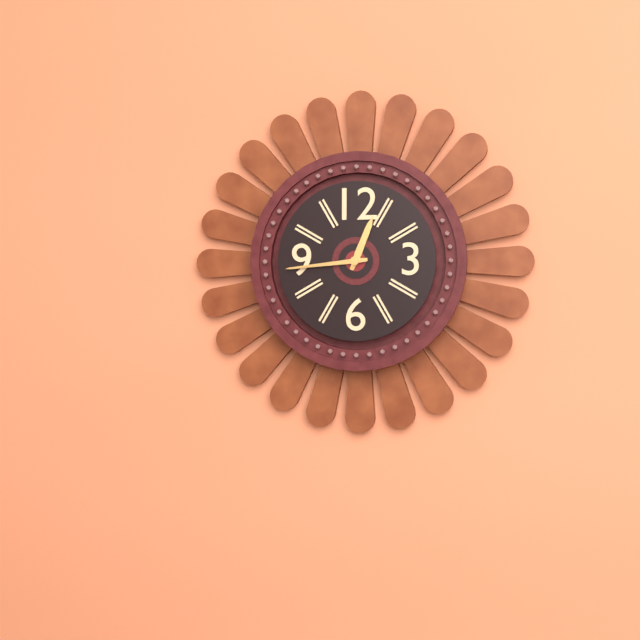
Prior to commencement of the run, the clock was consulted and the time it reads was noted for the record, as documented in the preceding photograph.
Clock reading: 12:44
